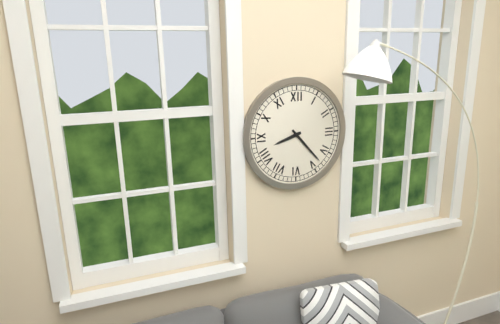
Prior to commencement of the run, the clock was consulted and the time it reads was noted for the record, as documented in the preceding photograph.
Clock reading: 8:23
